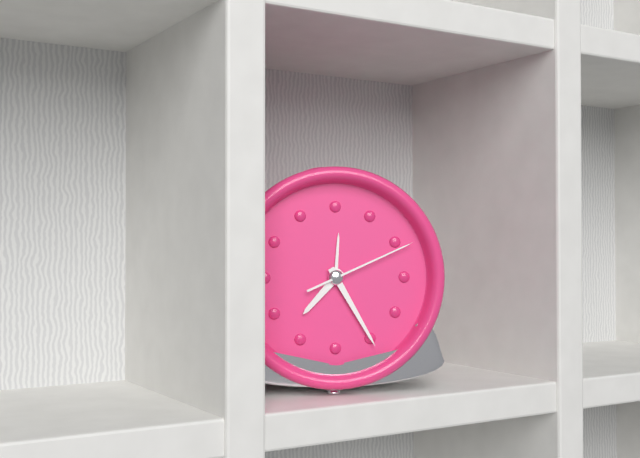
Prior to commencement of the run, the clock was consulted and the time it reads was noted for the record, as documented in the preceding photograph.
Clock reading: 7:25:11
